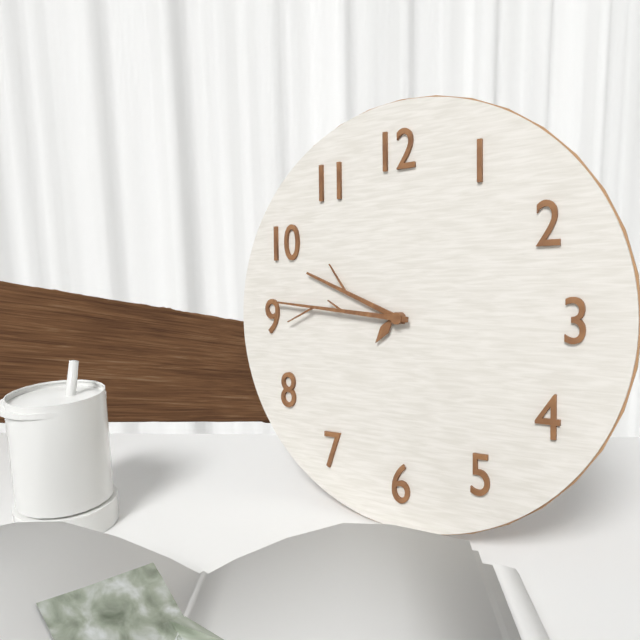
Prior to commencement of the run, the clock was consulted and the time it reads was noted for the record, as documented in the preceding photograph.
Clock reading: 9:46
